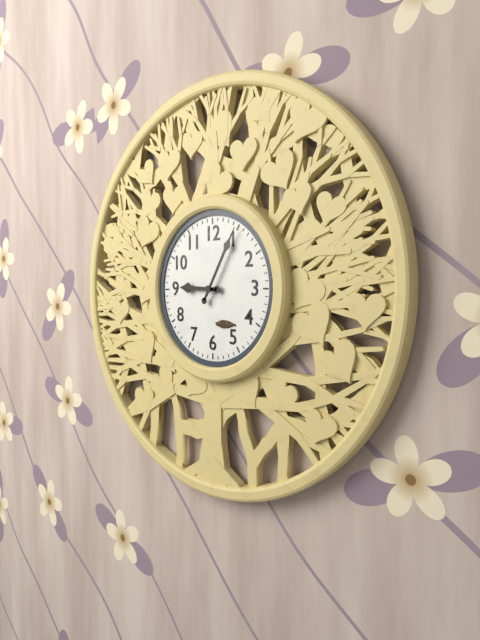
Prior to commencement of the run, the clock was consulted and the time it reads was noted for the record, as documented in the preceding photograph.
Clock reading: 9:05
